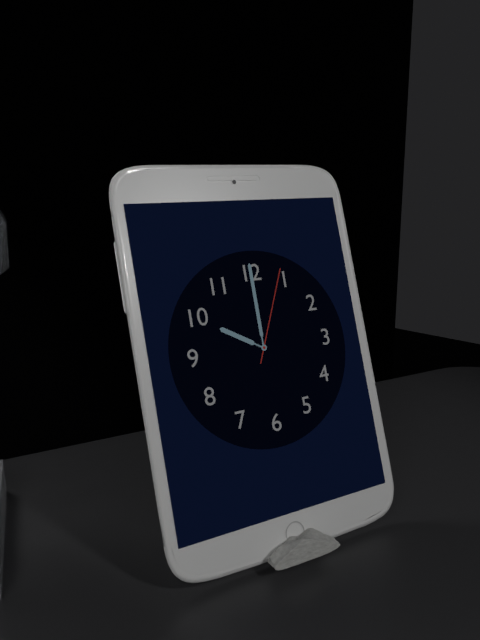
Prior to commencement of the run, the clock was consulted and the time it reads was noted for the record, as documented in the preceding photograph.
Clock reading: 10:00:04
